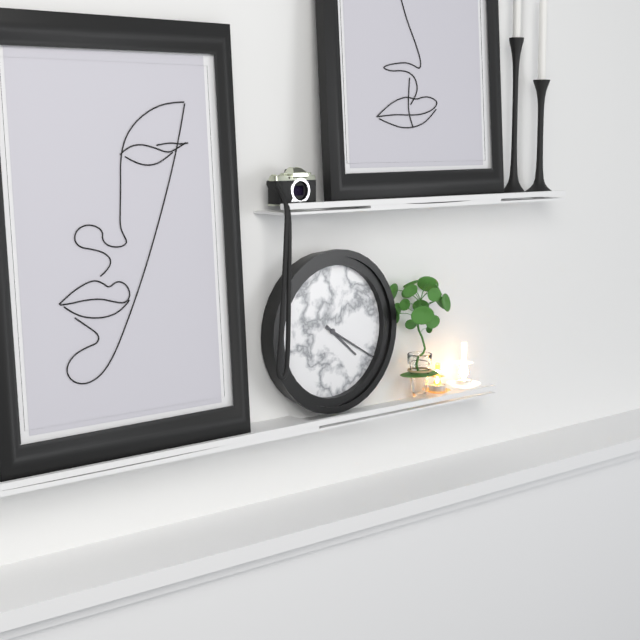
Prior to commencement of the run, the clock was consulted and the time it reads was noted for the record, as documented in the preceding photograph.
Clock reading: 4:20
